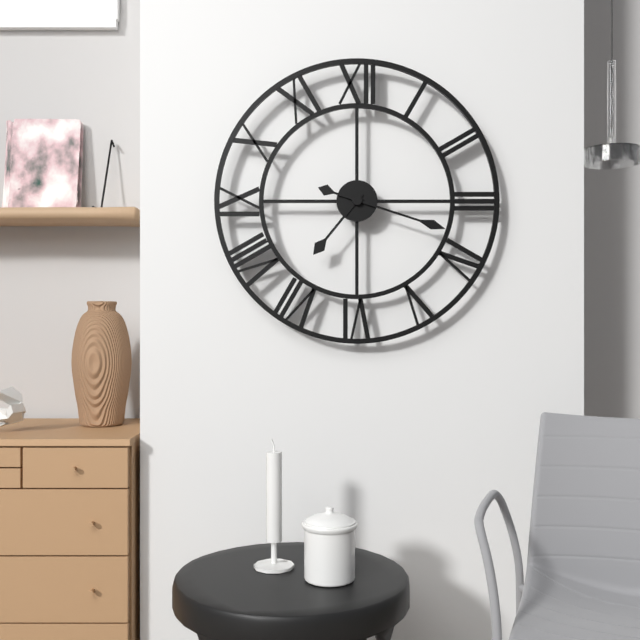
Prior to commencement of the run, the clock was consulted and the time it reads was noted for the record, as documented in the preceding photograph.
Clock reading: 7:18
